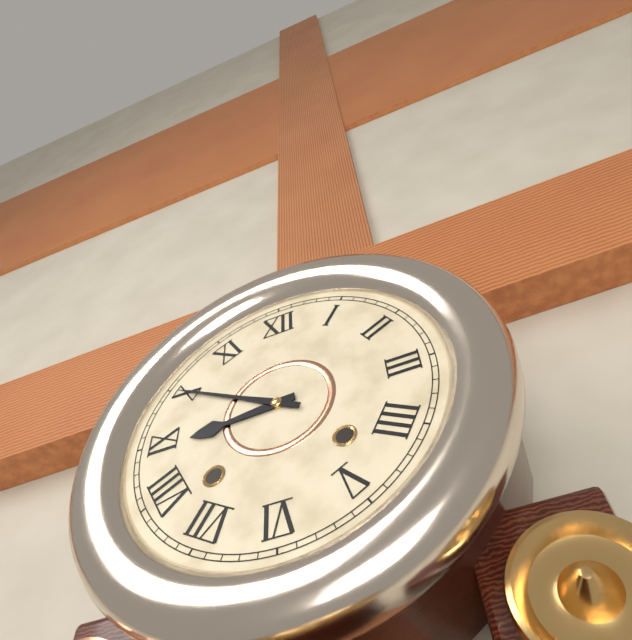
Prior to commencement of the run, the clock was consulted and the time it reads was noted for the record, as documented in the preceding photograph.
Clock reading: 8:50
